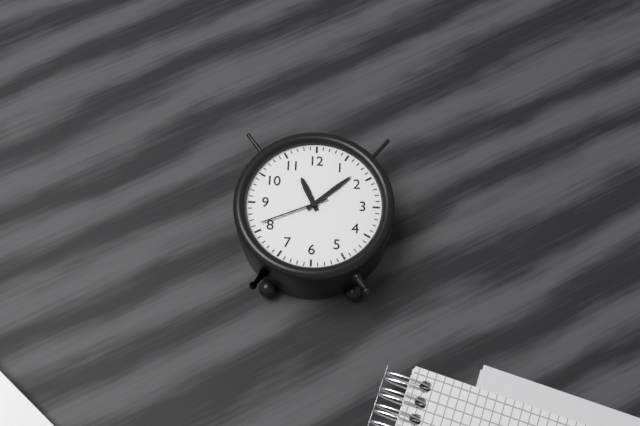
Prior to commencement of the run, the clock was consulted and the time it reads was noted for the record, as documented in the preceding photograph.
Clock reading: 11:08:41
